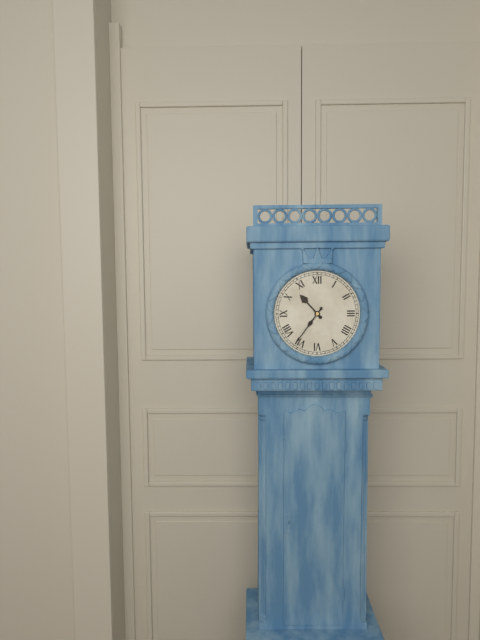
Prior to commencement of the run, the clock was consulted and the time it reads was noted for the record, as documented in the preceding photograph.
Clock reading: 10:36
